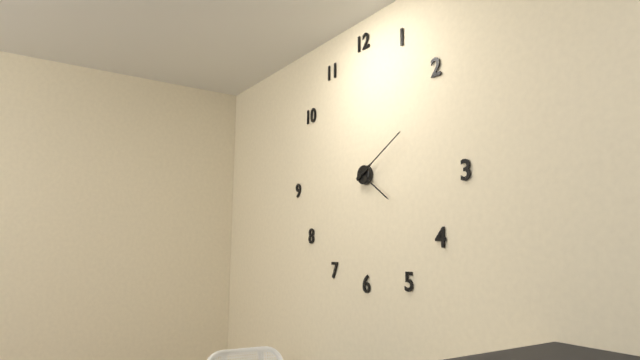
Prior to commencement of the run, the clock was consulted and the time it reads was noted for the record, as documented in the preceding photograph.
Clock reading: 4:10
